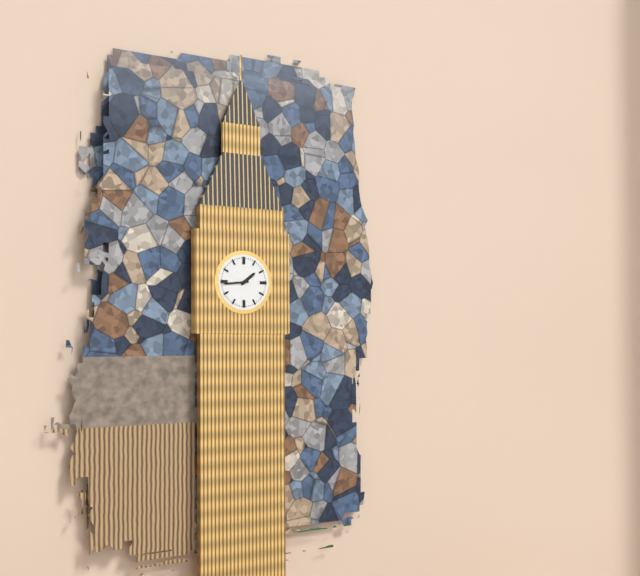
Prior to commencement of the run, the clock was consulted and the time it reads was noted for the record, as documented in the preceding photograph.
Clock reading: 1:44
